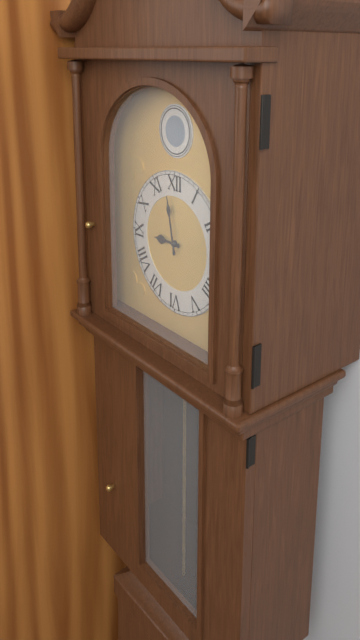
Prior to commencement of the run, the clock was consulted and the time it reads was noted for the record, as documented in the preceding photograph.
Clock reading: 8:58
